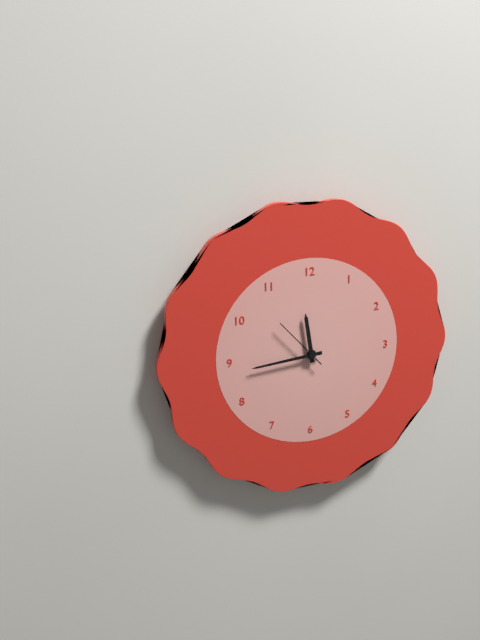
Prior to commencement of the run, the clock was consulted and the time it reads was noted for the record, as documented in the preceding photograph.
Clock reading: 11:44:53
